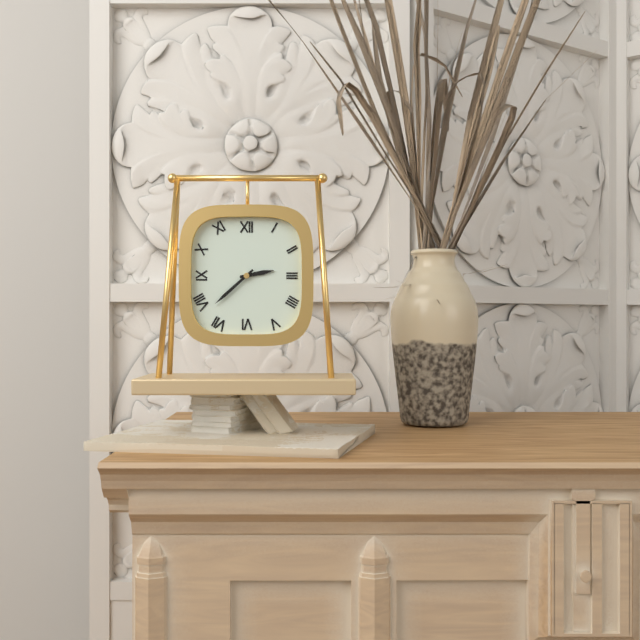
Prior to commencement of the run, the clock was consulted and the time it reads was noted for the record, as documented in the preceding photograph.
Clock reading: 2:38
